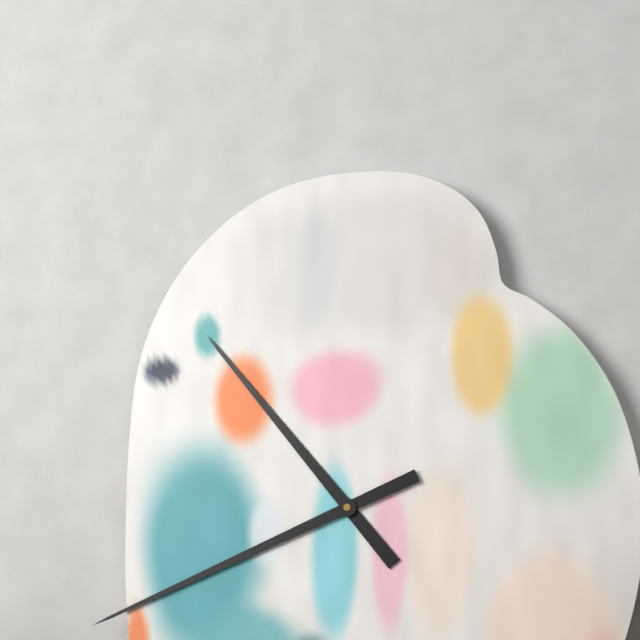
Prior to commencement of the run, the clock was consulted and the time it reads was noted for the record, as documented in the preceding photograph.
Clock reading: 10:41
